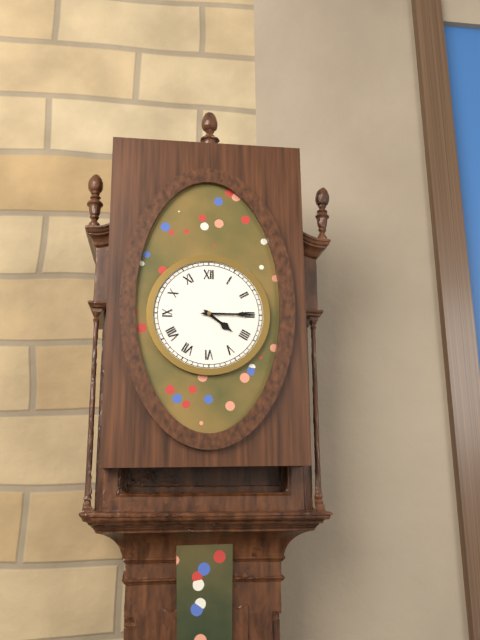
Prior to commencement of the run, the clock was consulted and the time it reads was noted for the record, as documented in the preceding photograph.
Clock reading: 4:15
